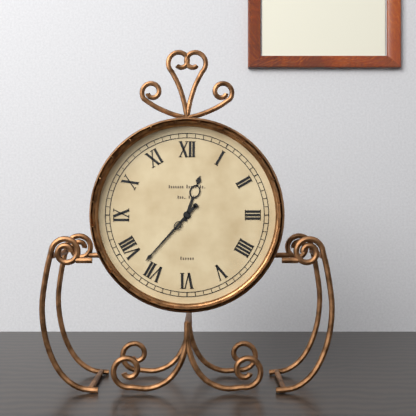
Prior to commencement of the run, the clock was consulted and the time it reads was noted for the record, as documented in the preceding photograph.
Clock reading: 12:37
